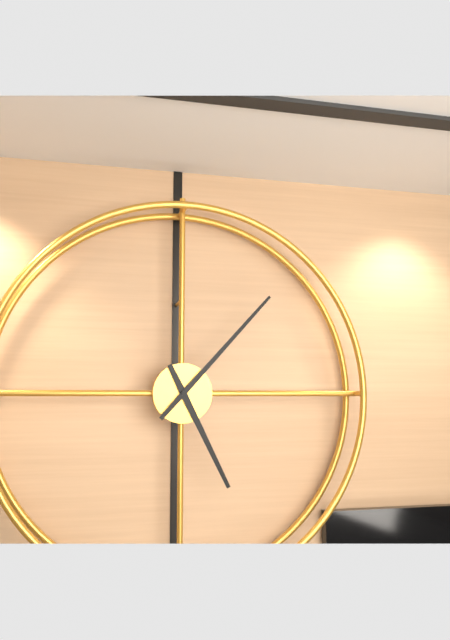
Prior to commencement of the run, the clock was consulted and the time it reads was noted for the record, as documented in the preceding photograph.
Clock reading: 5:07
